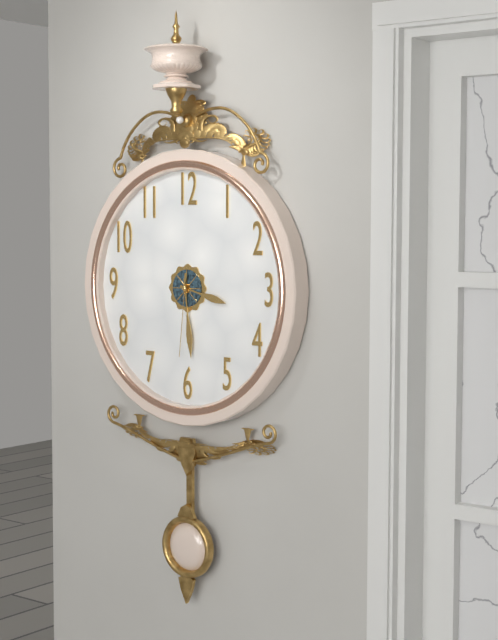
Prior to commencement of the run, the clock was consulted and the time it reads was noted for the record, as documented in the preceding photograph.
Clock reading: 3:29:31
